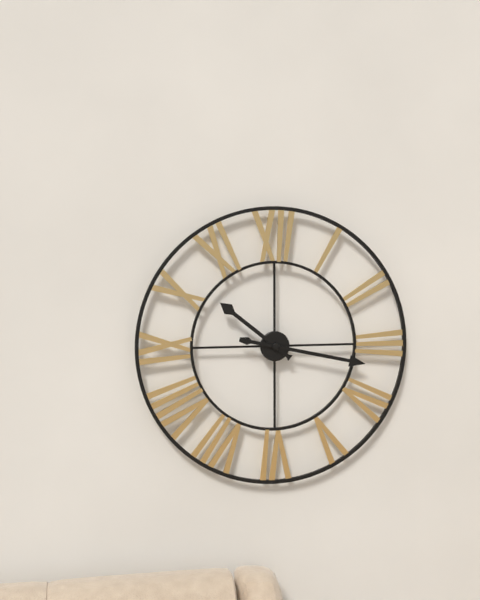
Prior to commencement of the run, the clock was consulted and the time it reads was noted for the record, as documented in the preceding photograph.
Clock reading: 10:17
